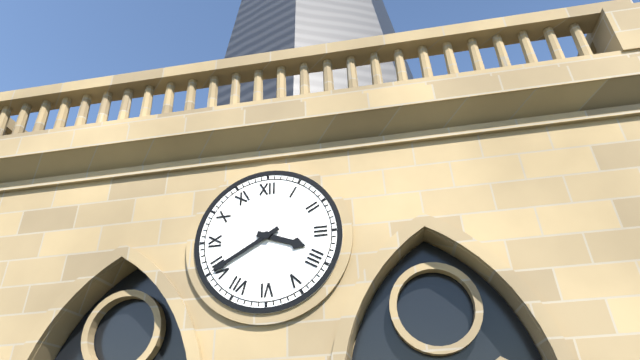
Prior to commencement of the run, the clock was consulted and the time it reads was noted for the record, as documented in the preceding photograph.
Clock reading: 3:40
